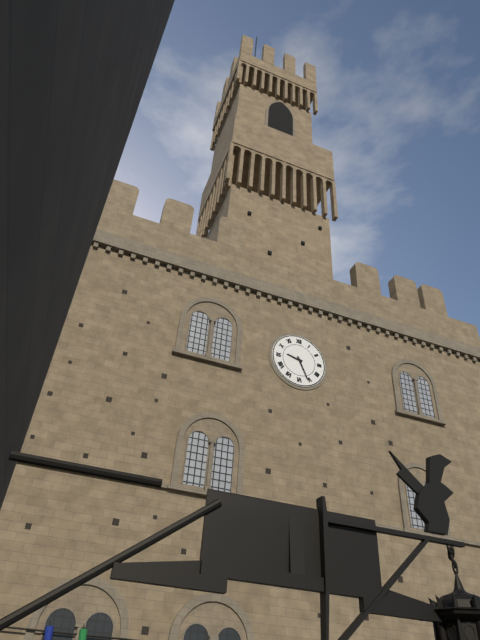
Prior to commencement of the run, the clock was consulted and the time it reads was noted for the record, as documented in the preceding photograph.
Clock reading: 9:26
